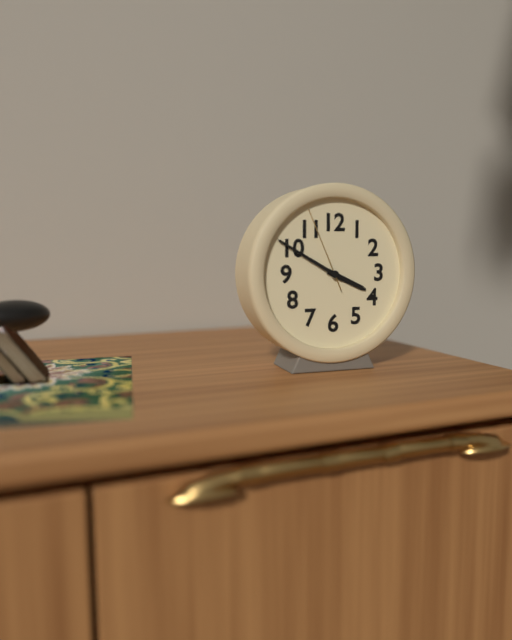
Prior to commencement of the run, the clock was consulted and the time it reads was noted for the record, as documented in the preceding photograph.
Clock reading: 3:50:56
